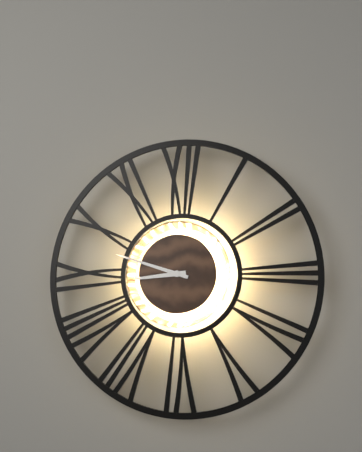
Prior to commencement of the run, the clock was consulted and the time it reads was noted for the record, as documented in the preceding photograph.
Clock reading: 8:48
